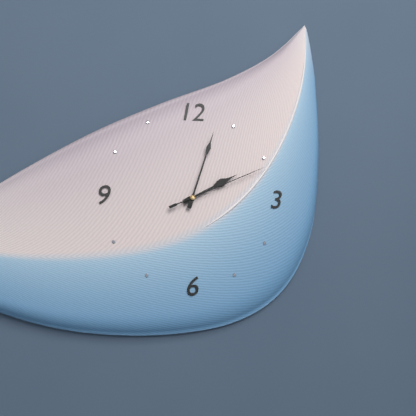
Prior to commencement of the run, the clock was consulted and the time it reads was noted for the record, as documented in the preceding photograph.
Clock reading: 2:03:11
